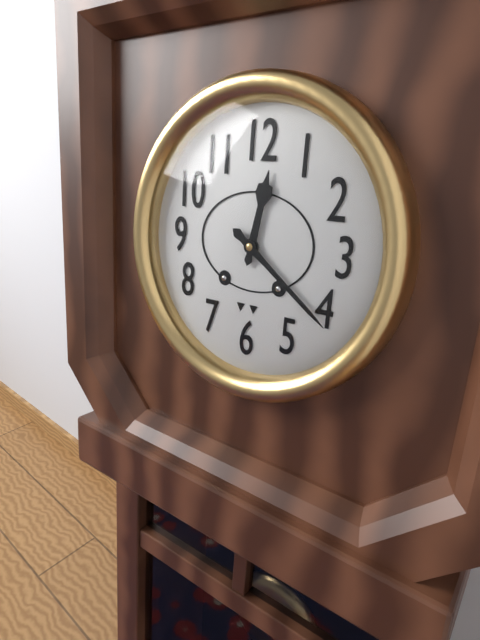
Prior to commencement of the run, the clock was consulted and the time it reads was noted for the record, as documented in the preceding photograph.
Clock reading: 12:21
